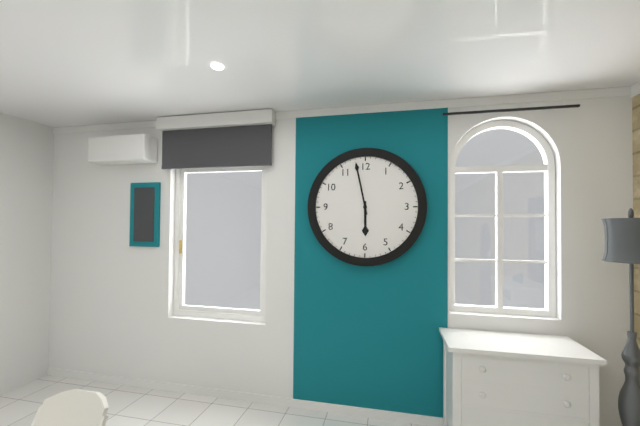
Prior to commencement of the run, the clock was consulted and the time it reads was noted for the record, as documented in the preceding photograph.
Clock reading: 5:58
